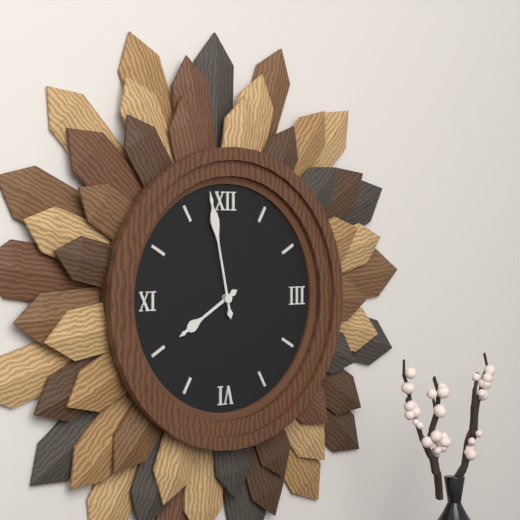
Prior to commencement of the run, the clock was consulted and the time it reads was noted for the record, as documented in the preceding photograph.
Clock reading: 7:58
